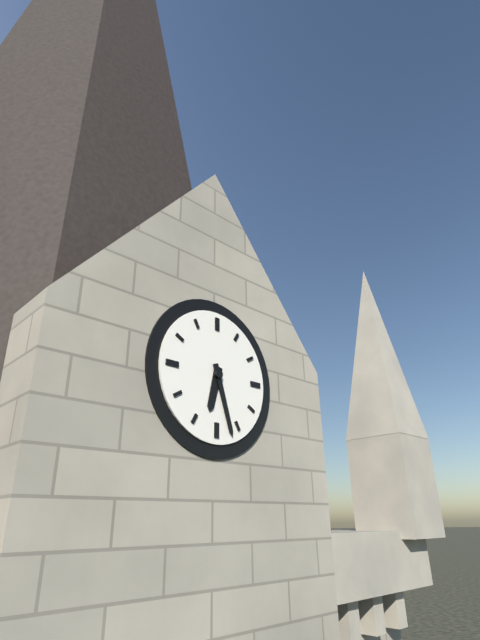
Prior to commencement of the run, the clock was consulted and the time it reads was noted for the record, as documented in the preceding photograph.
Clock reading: 6:27
